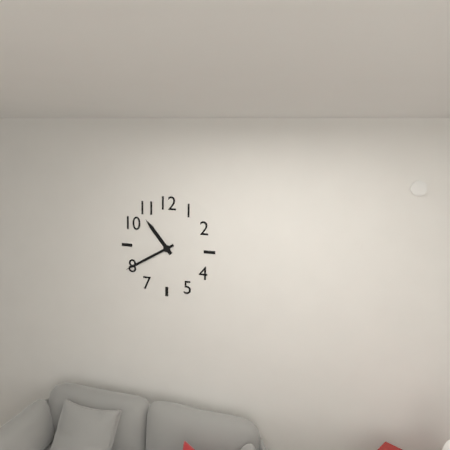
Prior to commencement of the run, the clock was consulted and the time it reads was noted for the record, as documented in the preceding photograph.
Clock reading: 10:40
